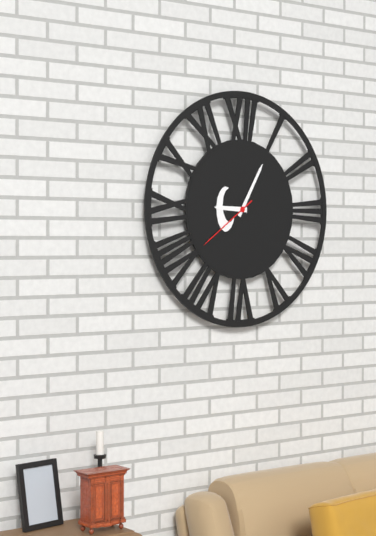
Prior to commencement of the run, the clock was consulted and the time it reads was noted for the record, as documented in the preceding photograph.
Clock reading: 9:05:39
